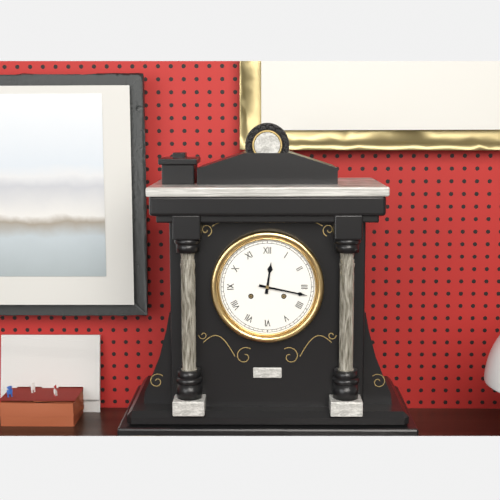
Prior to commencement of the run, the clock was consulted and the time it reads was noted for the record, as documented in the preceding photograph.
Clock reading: 12:17
